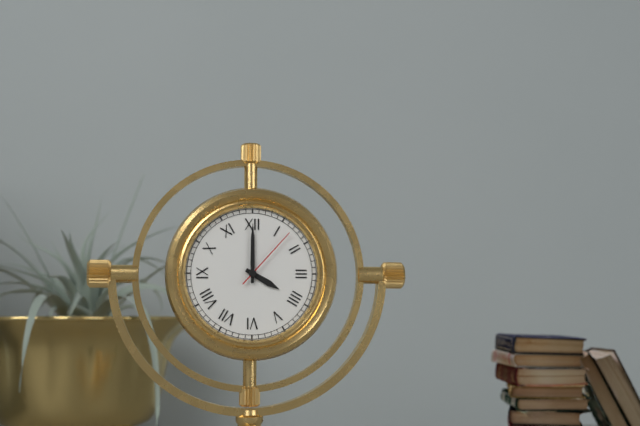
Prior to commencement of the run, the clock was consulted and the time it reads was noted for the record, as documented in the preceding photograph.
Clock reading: 4:00:07
